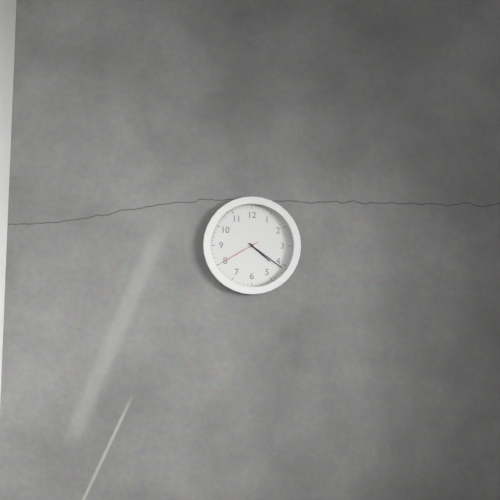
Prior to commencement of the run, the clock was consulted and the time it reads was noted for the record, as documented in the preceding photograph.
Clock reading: 4:21
